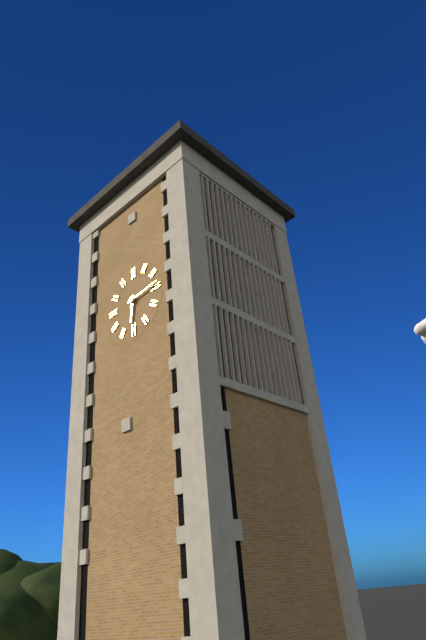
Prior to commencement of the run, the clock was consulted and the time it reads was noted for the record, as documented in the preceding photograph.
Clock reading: 6:14
